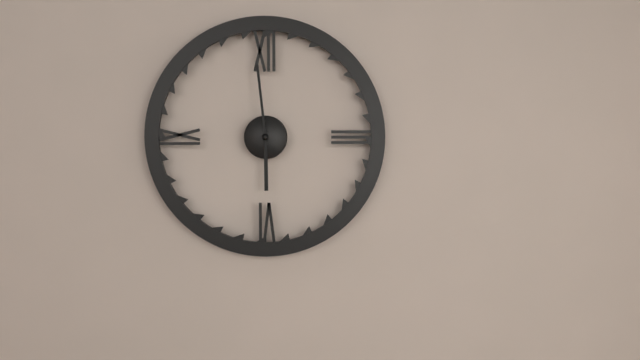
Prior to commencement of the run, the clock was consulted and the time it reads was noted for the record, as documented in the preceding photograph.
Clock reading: 5:59
